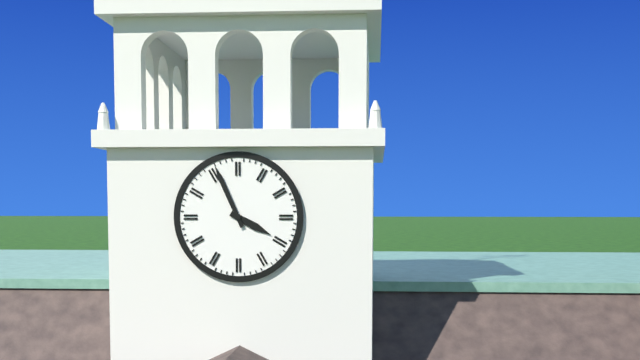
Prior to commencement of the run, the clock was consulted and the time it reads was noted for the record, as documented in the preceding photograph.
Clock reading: 3:56
